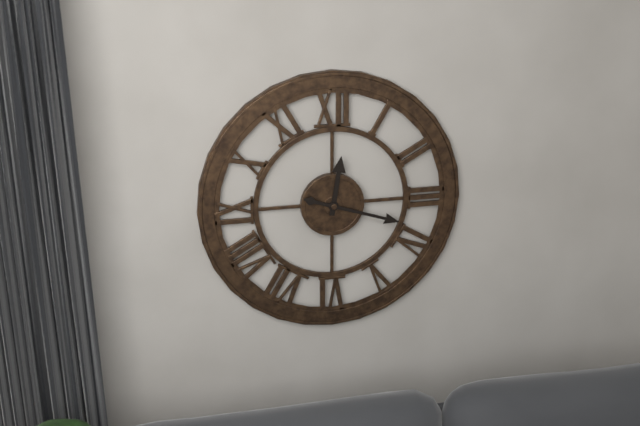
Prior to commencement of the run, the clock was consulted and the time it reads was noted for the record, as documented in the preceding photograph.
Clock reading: 12:18
